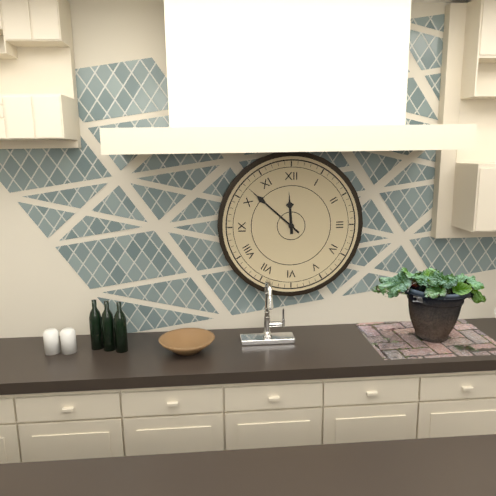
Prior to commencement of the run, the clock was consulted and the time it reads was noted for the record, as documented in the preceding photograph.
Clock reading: 11:52
